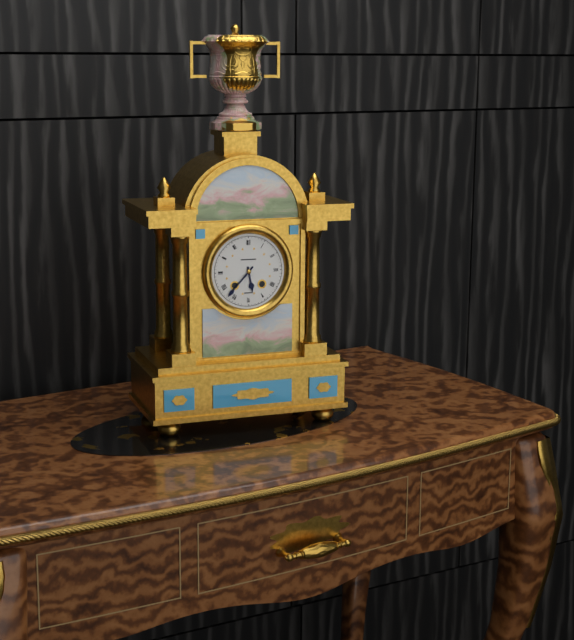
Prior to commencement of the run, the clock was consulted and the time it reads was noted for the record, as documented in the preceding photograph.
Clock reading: 5:37
